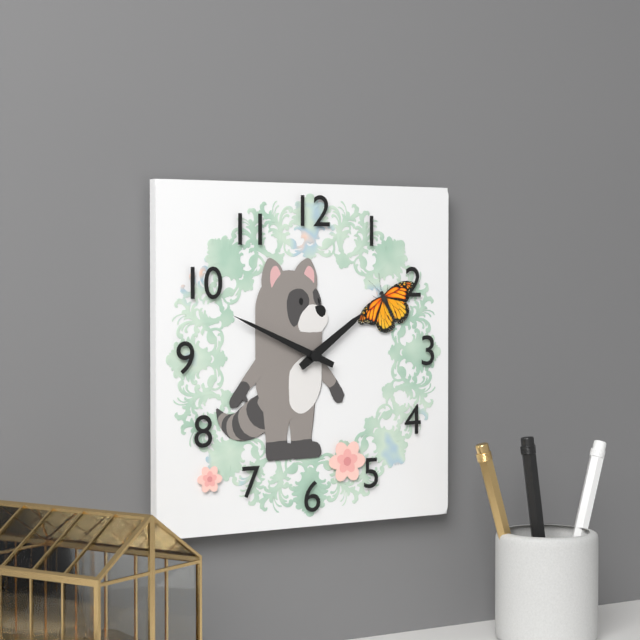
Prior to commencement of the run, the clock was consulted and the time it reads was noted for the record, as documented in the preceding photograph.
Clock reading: 1:49
